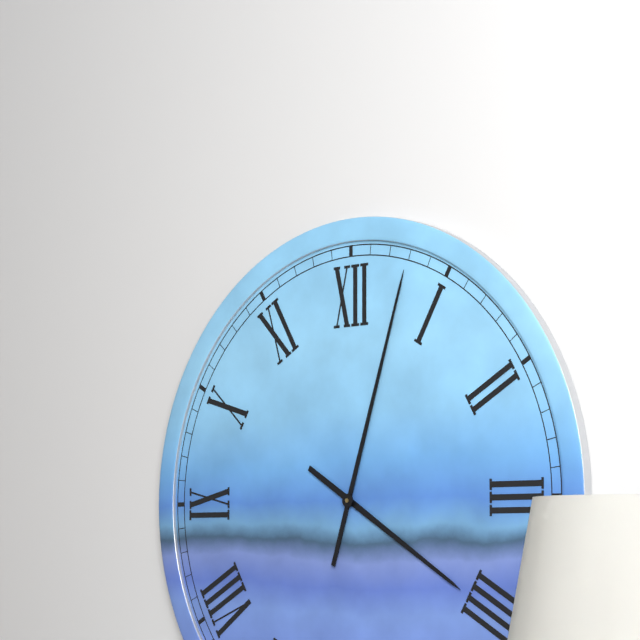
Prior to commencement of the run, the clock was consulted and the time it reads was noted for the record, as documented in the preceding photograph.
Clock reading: 4:03
